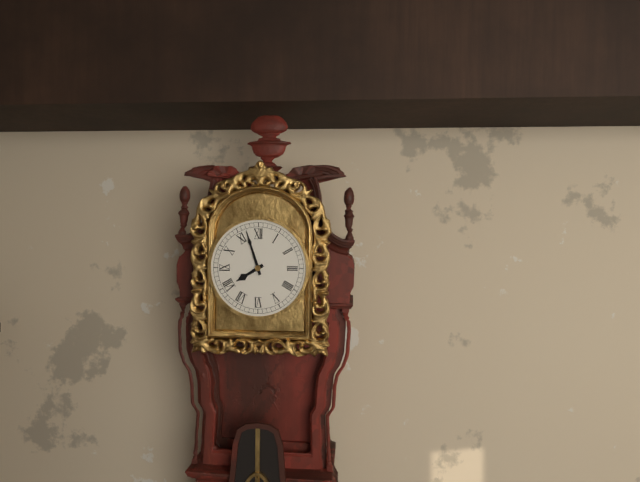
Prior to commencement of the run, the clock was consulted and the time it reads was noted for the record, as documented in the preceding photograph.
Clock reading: 7:57
